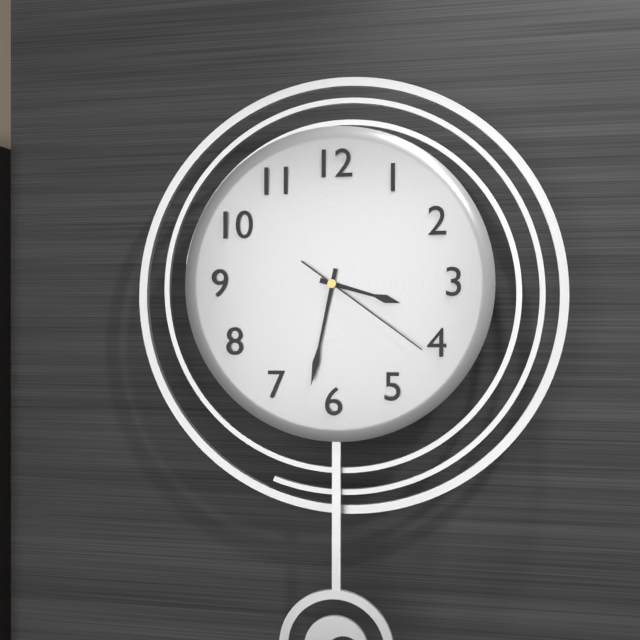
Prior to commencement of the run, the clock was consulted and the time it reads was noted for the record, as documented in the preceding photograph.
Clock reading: 3:32:21
